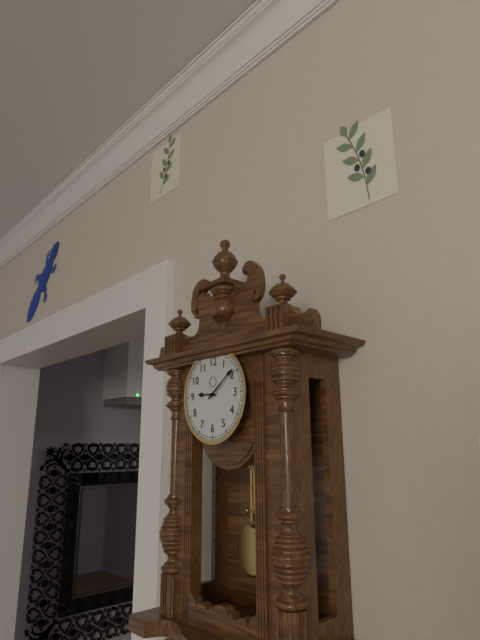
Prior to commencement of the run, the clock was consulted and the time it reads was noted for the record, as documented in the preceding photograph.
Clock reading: 9:09
